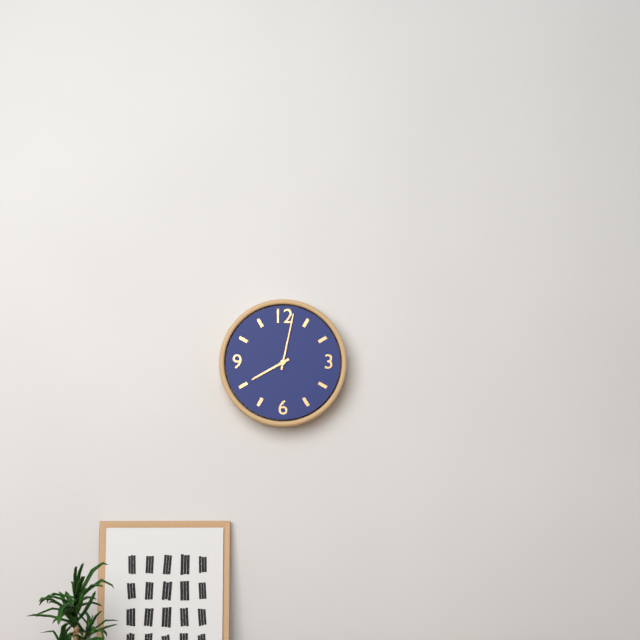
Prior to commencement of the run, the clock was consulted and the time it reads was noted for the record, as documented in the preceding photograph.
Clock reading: 8:02
